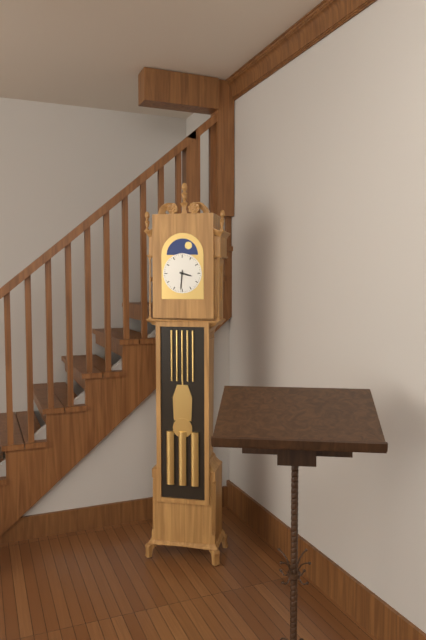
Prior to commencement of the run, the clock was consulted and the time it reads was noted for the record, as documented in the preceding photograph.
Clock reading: 3:31
